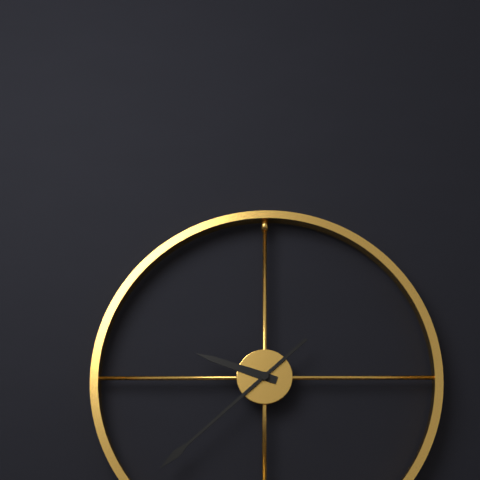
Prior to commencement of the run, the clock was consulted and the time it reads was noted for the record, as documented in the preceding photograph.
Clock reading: 9:38
